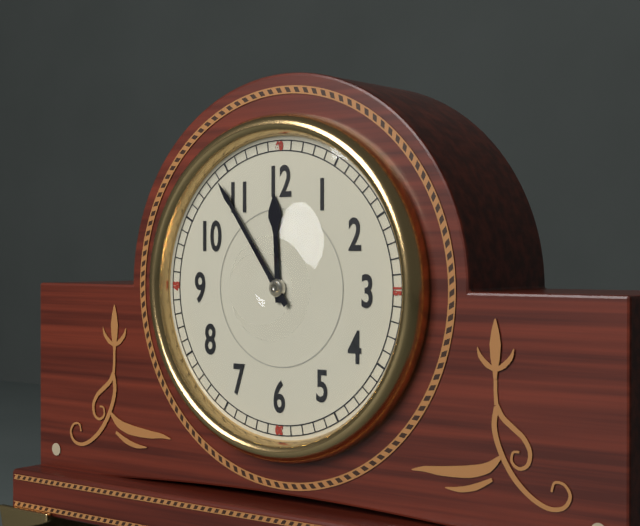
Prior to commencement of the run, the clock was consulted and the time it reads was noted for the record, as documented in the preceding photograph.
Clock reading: 11:54
